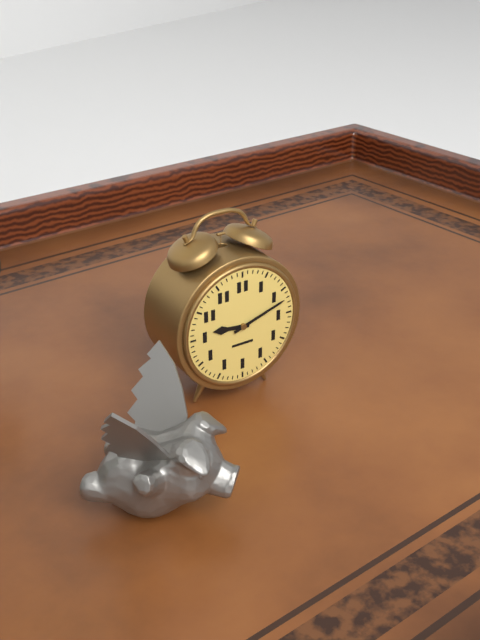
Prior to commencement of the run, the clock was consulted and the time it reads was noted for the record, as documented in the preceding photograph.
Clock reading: 9:12
